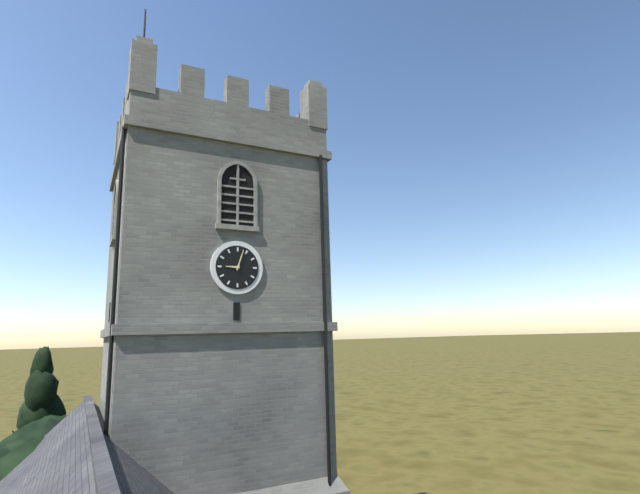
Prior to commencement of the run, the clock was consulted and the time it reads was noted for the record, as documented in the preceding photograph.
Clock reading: 9:03
